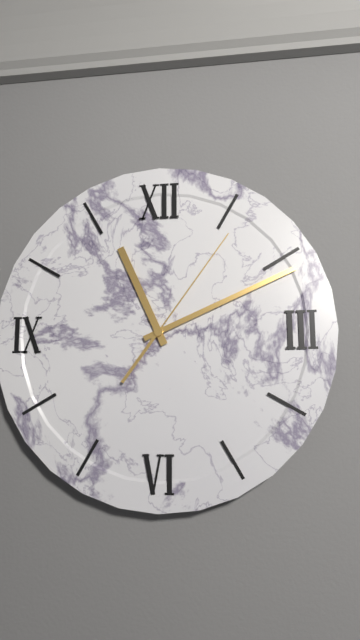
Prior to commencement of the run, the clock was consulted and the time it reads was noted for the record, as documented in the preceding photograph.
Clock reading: 11:11:06
